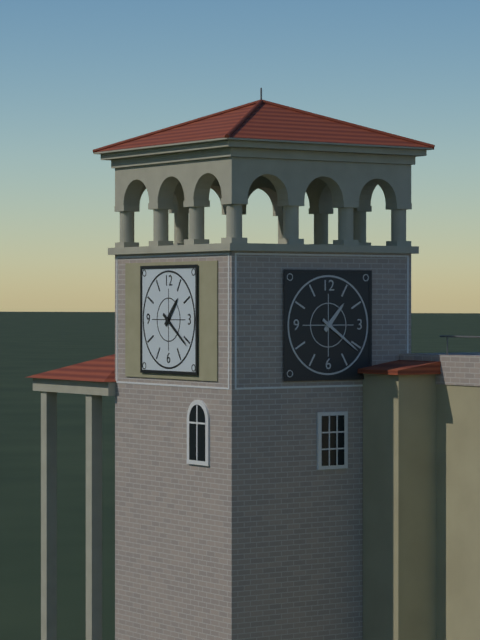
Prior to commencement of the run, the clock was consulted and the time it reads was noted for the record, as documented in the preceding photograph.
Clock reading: 1:21
